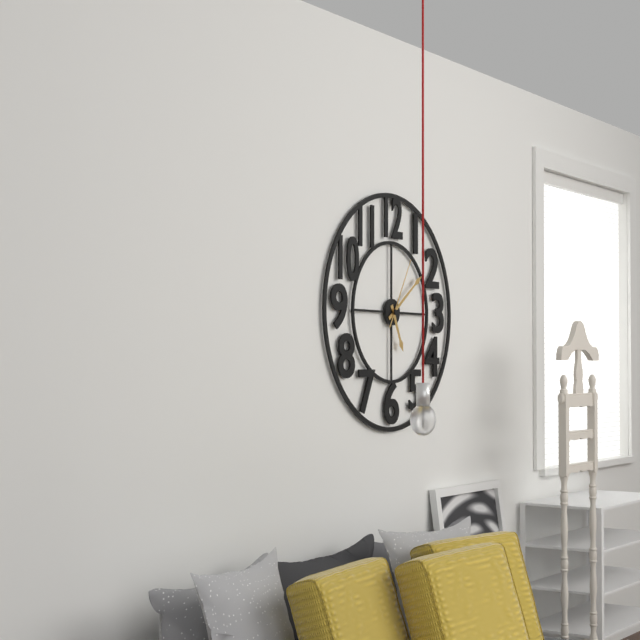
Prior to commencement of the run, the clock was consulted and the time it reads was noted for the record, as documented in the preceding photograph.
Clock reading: 5:09:05
